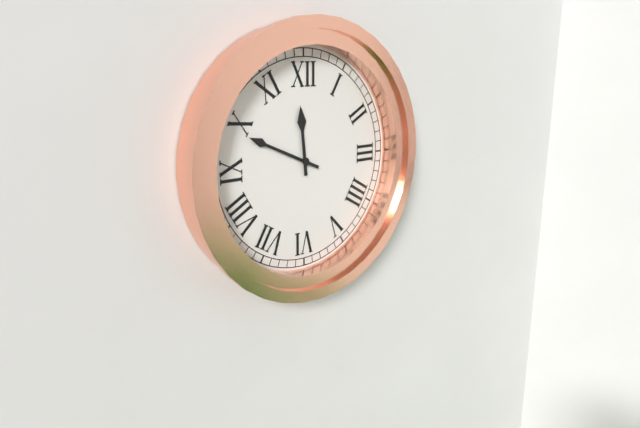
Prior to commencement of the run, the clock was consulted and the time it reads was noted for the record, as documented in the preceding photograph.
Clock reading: 11:49
